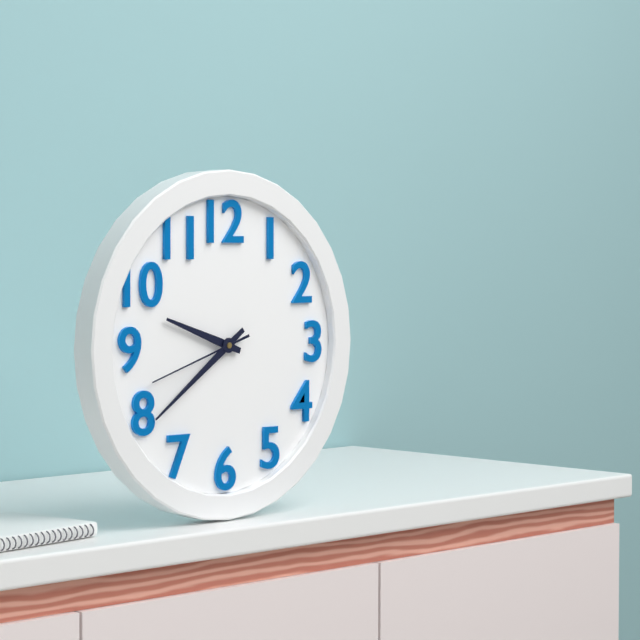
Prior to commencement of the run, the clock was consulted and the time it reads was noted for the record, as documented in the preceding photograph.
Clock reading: 9:39:42
